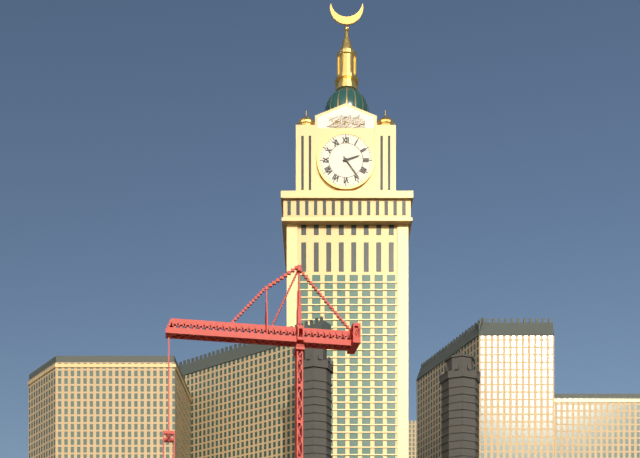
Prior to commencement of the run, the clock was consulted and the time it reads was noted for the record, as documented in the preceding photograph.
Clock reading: 2:24
